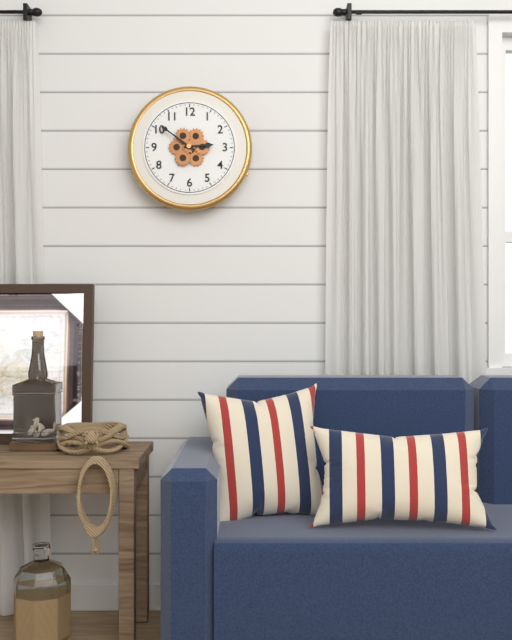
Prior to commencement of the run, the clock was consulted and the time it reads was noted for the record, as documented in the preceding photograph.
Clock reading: 2:51
